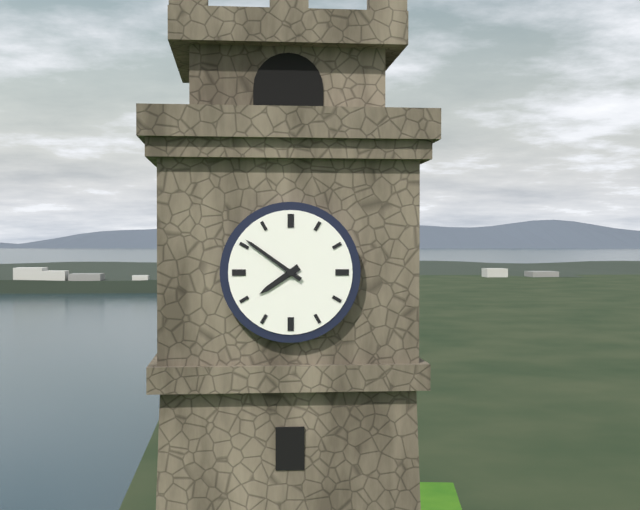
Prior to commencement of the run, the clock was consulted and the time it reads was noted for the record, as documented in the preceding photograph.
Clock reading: 7:51
